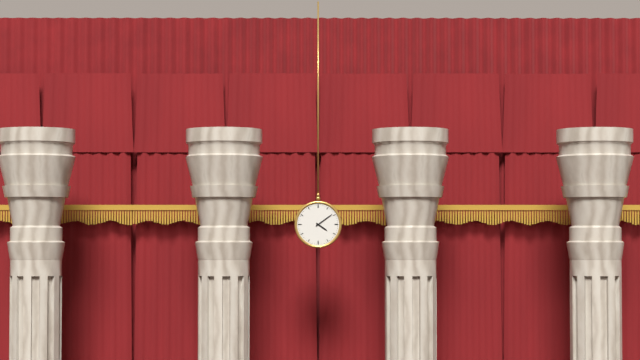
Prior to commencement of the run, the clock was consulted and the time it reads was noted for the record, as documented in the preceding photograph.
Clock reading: 4:09
